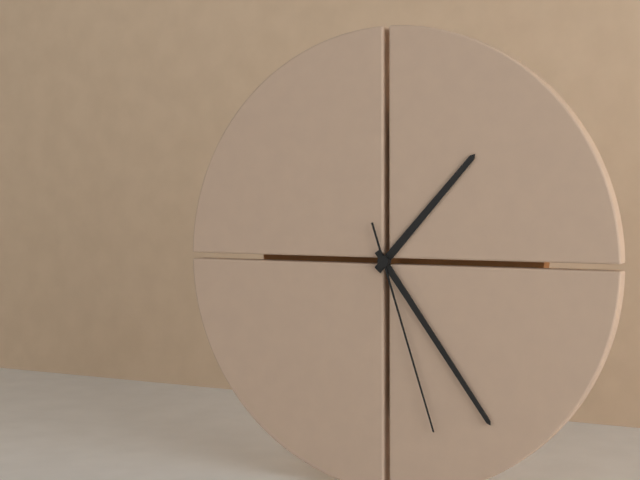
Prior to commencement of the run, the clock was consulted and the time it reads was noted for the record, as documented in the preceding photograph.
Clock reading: 1:24:27
